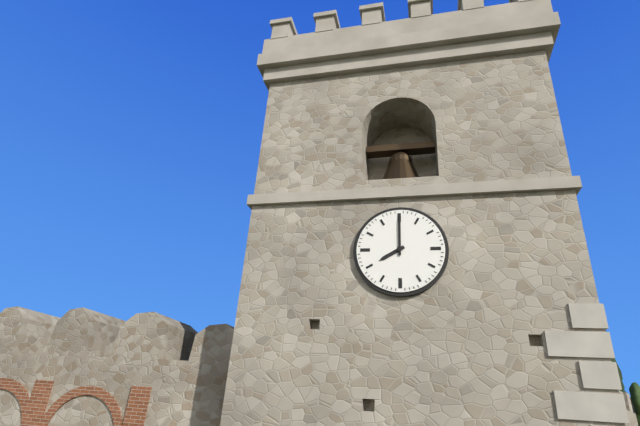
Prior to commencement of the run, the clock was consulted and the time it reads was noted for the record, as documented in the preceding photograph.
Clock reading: 8:00
